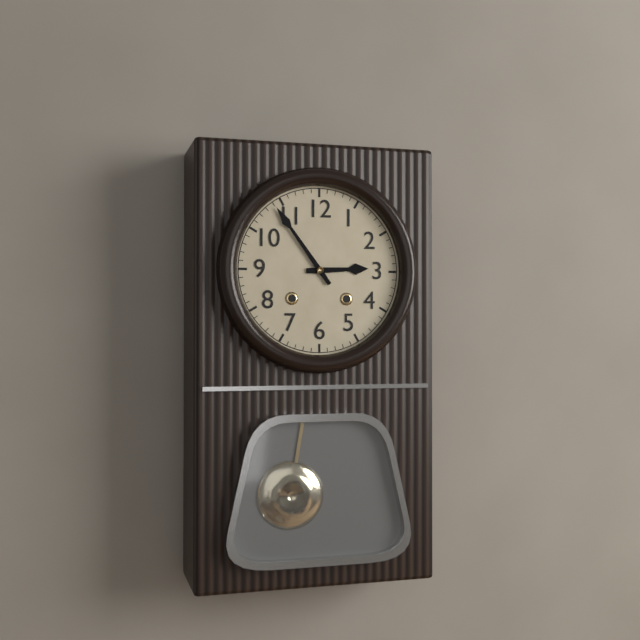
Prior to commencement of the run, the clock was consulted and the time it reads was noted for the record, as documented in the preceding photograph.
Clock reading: 2:54
